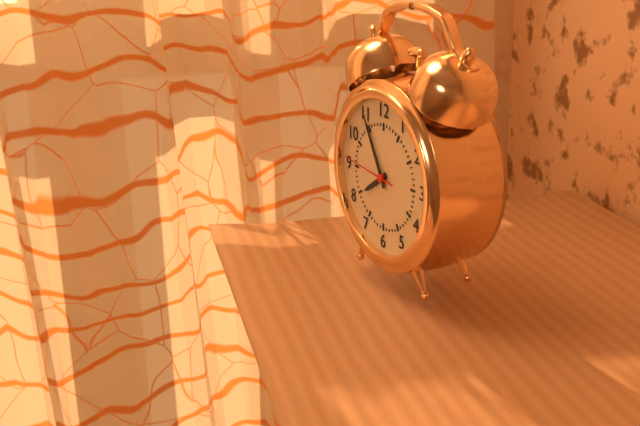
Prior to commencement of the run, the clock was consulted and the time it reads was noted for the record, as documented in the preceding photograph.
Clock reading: 7:55:46
